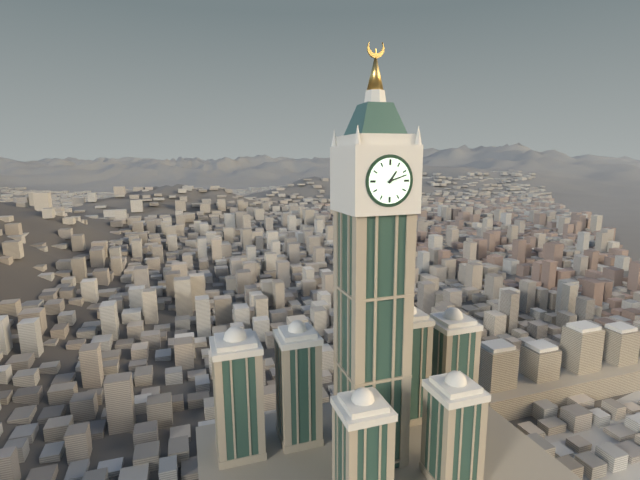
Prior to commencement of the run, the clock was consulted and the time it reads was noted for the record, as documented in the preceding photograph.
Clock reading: 1:12
